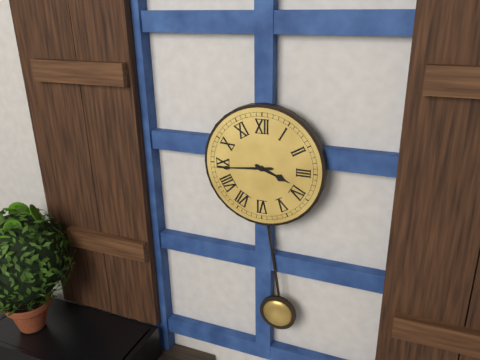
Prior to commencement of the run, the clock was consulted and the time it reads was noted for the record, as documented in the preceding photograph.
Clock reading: 3:44
